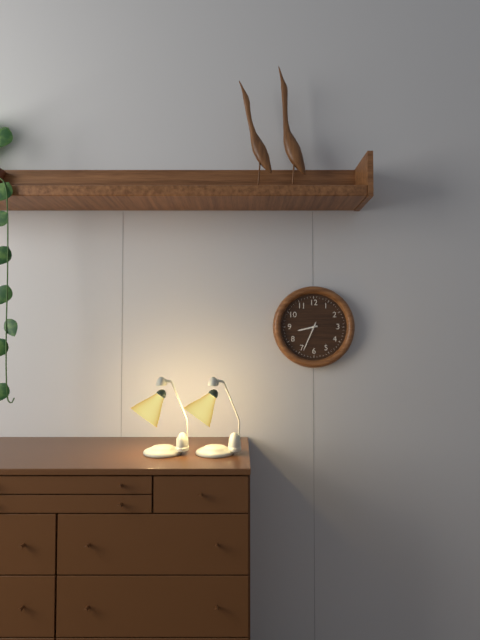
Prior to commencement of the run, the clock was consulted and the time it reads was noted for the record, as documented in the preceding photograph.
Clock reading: 8:34
